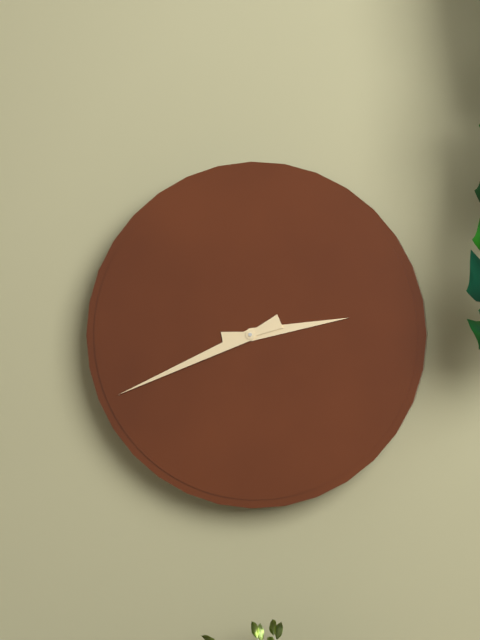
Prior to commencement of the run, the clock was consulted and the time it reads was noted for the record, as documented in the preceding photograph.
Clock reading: 2:41
